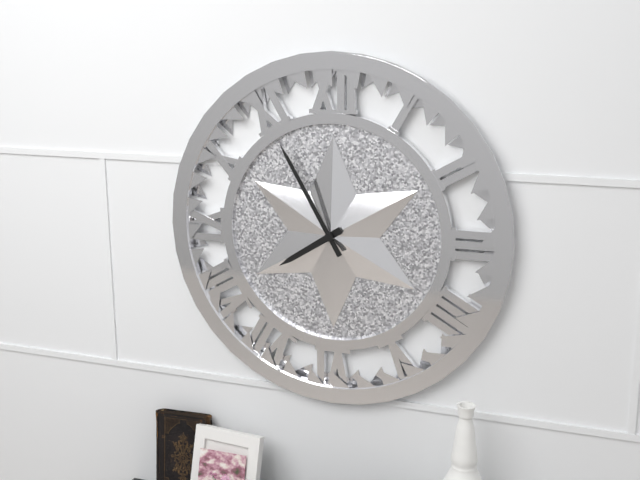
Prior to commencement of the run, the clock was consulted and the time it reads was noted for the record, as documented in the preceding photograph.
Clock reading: 7:55
